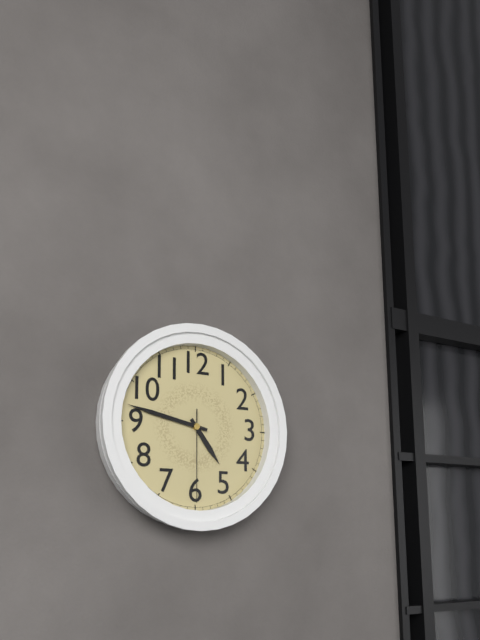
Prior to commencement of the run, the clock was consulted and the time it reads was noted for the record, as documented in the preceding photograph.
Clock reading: 4:47:30
